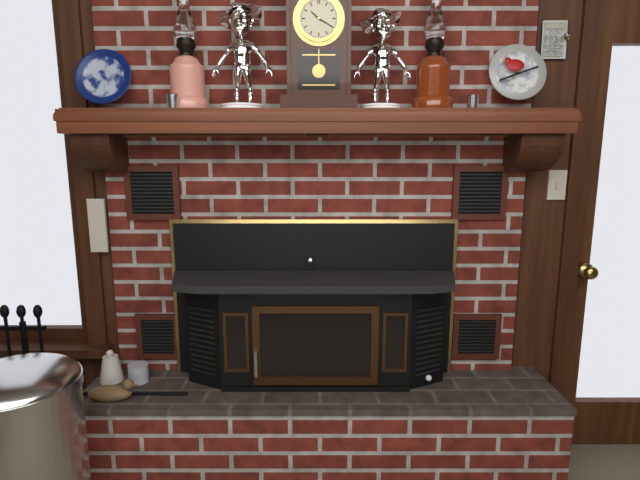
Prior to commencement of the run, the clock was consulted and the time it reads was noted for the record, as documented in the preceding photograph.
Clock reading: 10:20
